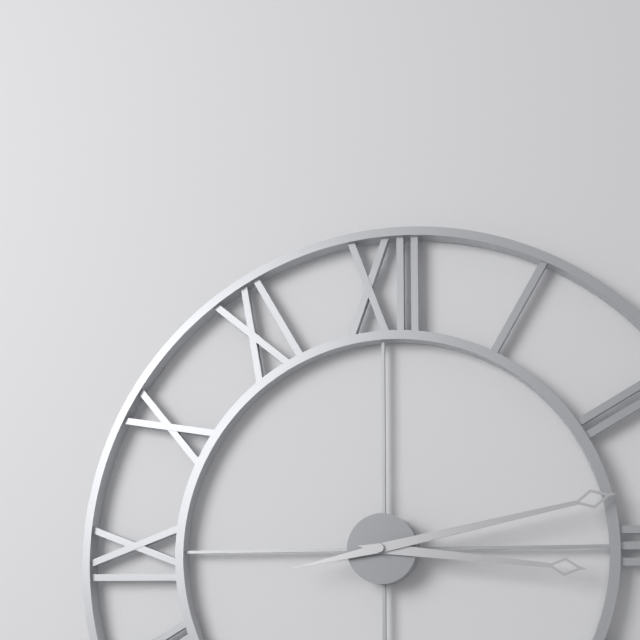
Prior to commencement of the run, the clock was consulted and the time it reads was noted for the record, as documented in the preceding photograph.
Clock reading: 3:13
